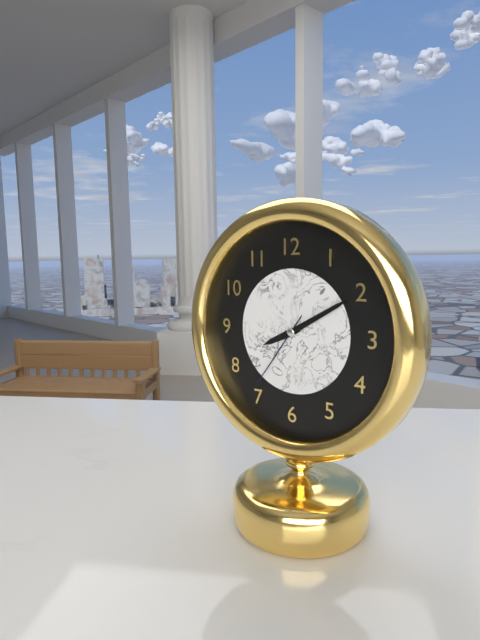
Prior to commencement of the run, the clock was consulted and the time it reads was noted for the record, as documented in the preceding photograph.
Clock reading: 8:10:36
